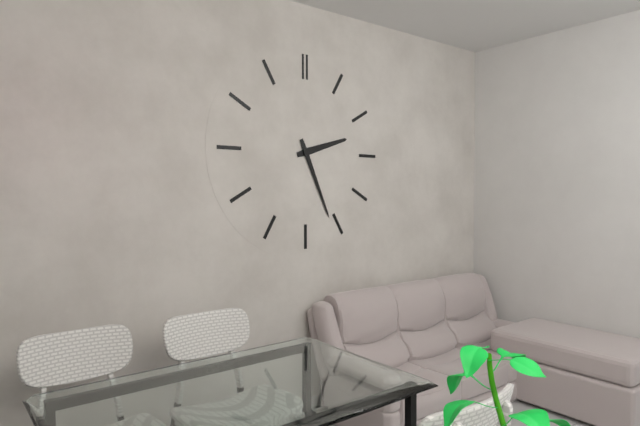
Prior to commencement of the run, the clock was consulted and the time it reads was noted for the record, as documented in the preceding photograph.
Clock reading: 2:26
